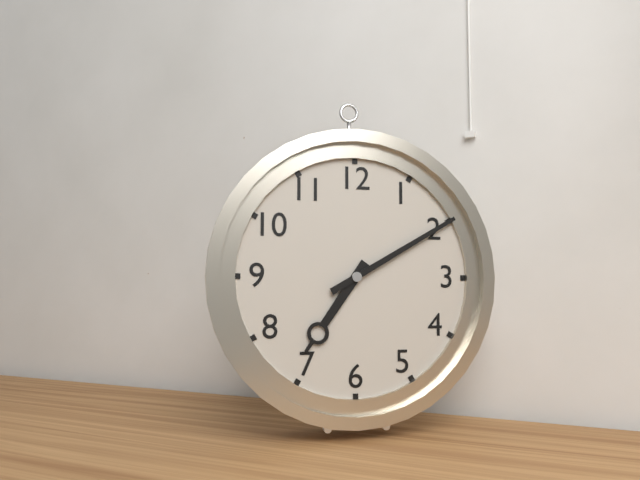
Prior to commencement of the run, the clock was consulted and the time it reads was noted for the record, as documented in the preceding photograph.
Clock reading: 7:10
